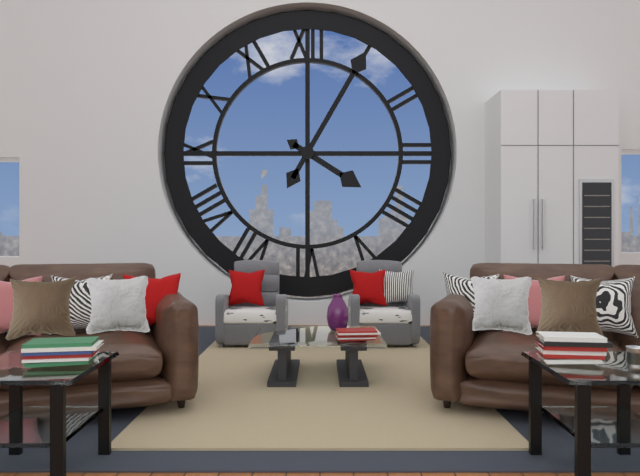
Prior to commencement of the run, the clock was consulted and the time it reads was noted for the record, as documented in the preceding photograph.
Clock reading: 4:05
